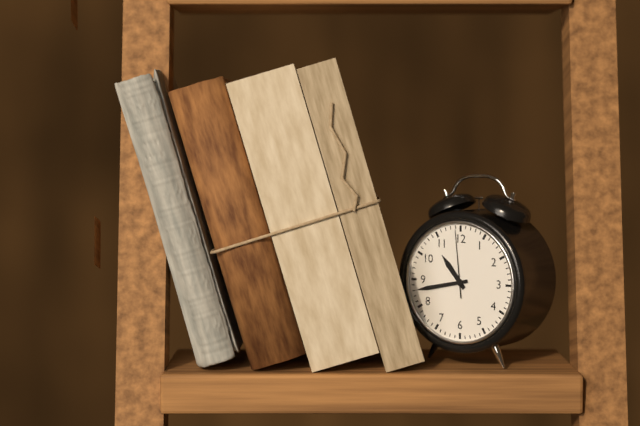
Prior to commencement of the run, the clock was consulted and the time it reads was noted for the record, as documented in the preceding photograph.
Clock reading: 10:43:59
